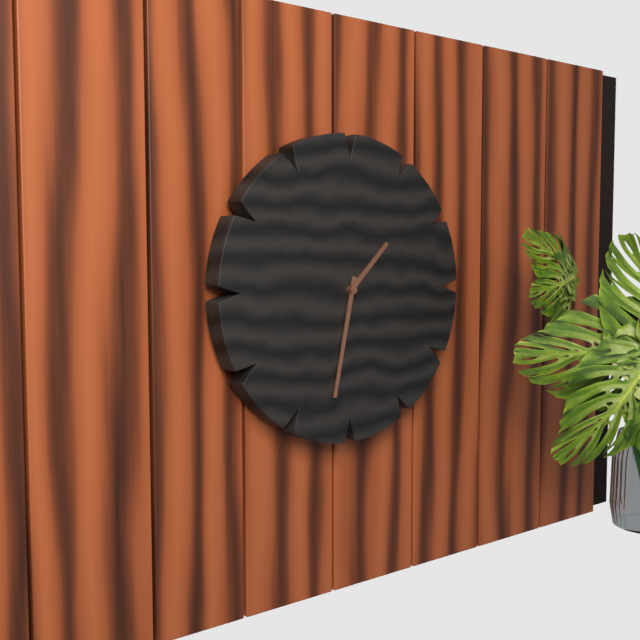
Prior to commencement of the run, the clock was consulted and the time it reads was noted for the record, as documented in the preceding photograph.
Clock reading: 1:32
